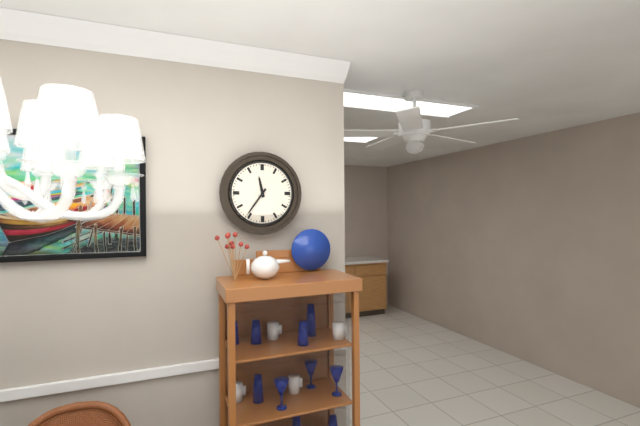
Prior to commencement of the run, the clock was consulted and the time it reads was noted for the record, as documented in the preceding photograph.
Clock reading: 11:36
